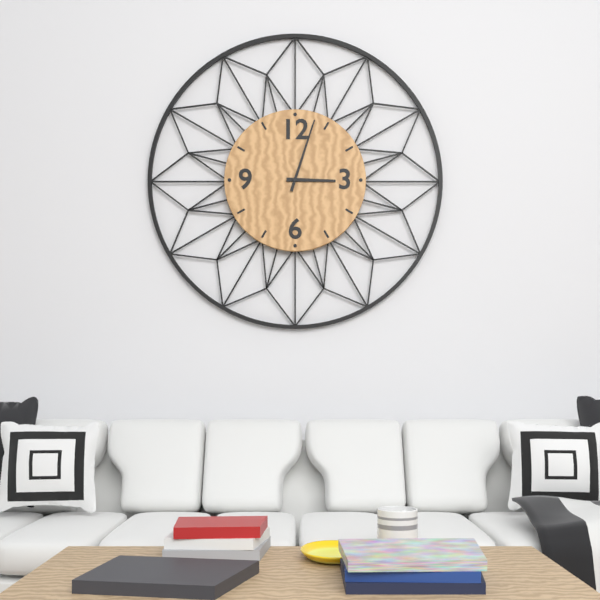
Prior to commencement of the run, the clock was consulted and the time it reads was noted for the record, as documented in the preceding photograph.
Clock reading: 3:03
